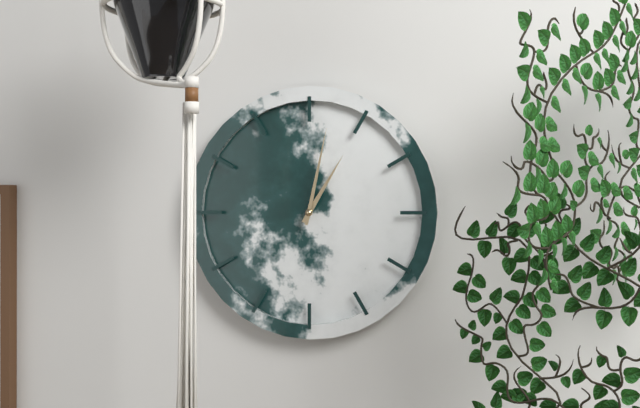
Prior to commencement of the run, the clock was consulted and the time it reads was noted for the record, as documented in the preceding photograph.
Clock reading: 1:02
